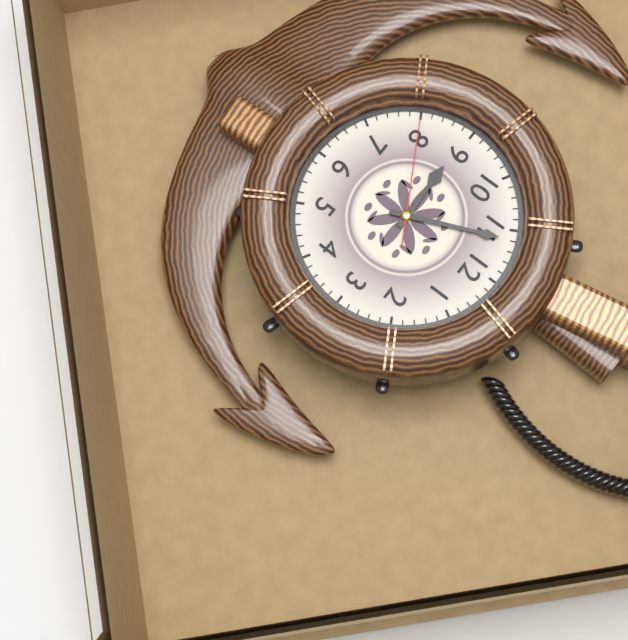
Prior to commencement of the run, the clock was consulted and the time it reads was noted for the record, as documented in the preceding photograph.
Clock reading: 8:56:40
